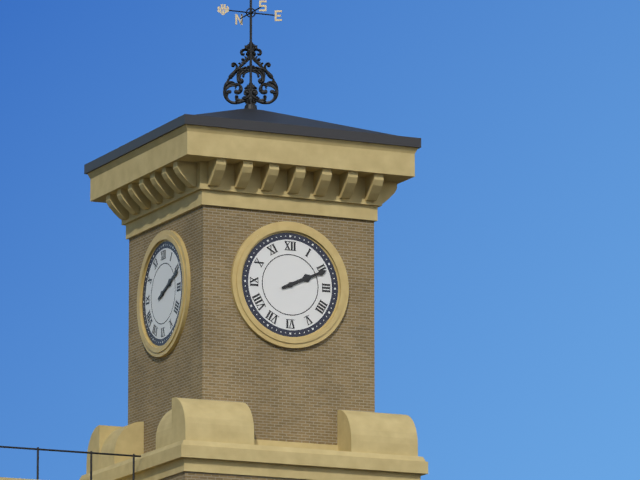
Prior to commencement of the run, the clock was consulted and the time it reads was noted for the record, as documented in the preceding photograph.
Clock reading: 2:11
